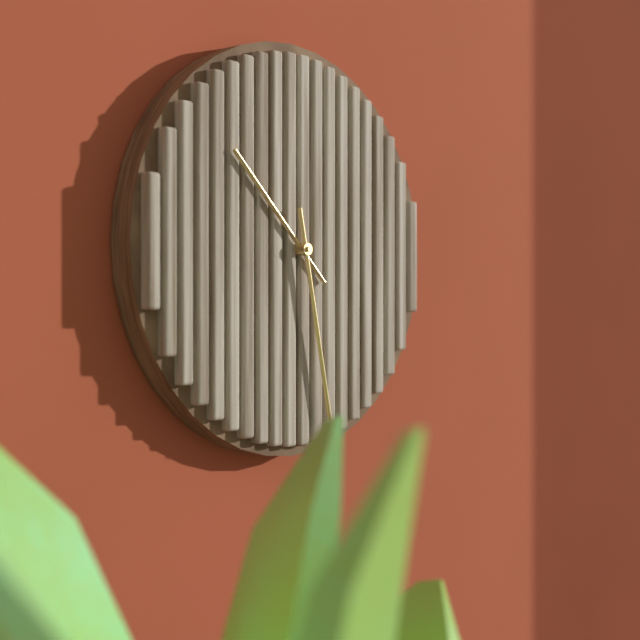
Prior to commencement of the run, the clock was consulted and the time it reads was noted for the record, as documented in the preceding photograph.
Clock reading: 10:28
